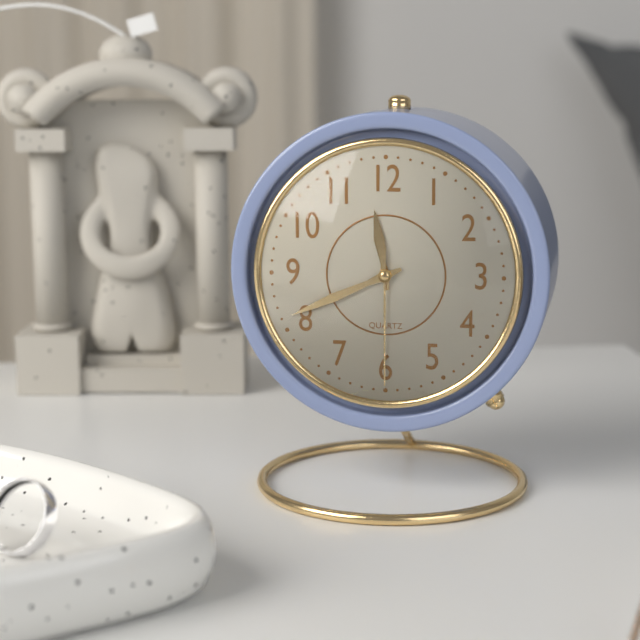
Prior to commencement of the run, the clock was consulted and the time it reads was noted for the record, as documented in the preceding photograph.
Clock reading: 11:41:30
